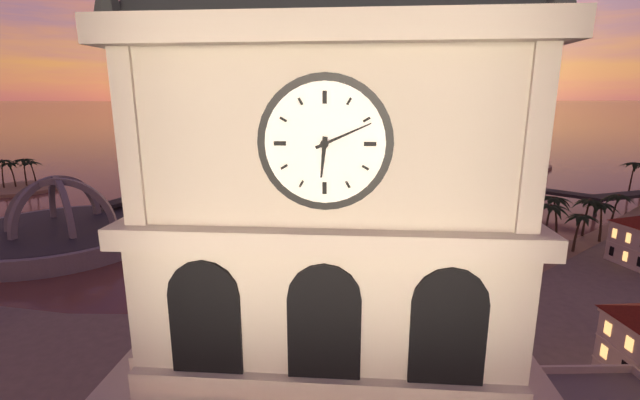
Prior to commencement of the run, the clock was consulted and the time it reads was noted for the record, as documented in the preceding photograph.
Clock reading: 6:11
